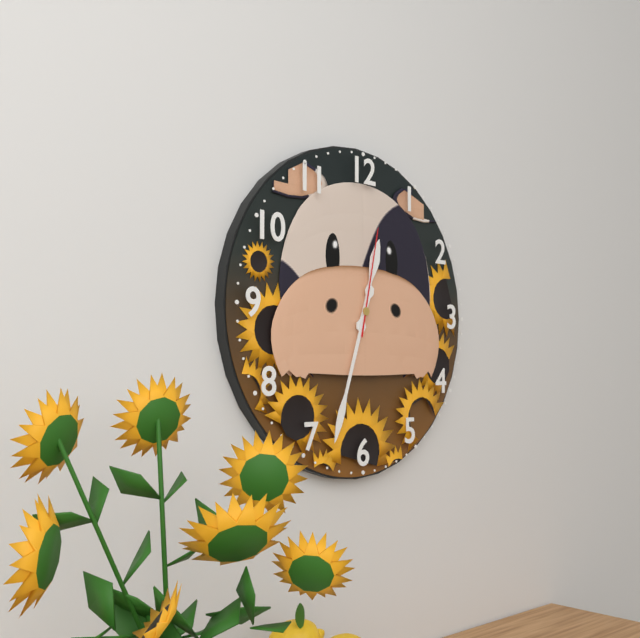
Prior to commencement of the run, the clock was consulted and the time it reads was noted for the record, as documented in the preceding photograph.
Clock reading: 12:33:02
